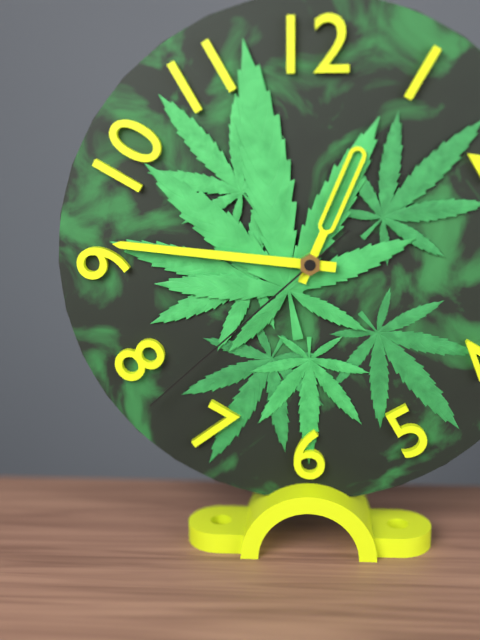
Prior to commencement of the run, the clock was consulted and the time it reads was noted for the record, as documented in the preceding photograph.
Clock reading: 12:46:38
